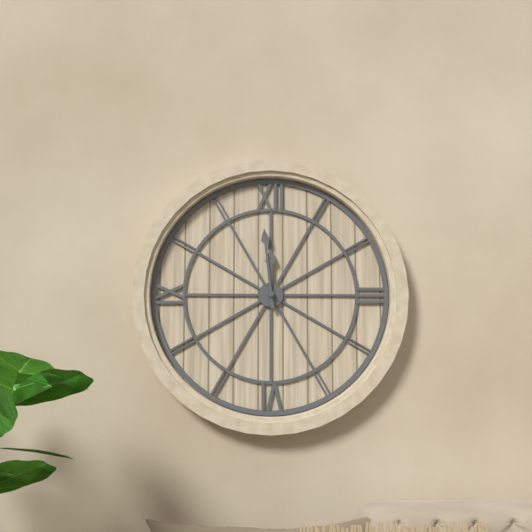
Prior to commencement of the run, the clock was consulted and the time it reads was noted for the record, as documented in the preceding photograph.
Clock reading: 11:59
